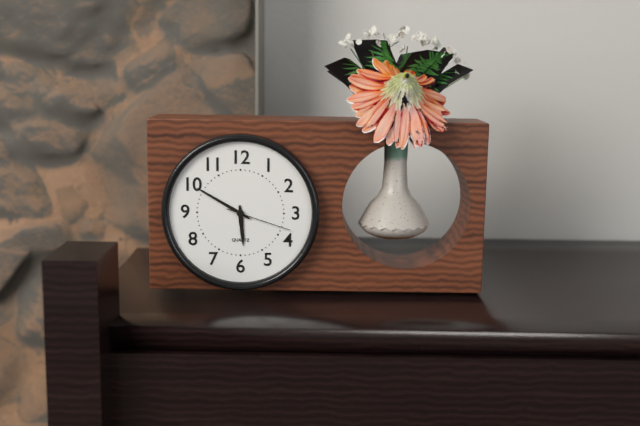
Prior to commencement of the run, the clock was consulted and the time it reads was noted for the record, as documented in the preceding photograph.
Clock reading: 5:50:18
